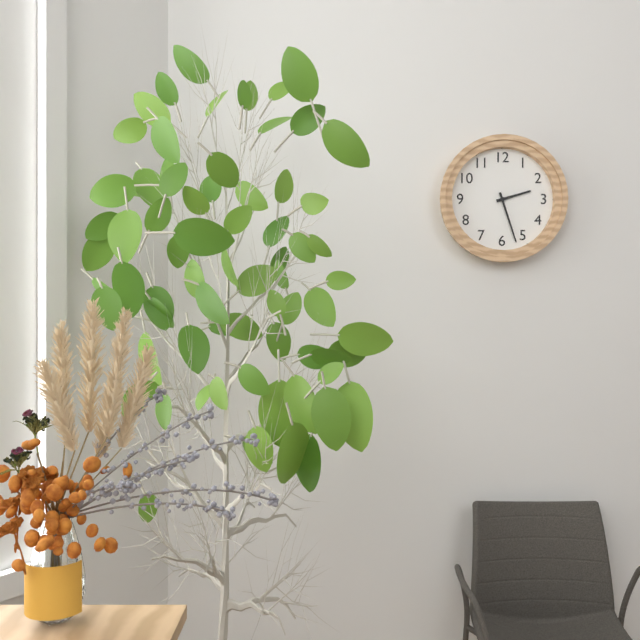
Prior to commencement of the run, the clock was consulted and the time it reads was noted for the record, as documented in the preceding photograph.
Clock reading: 2:27
